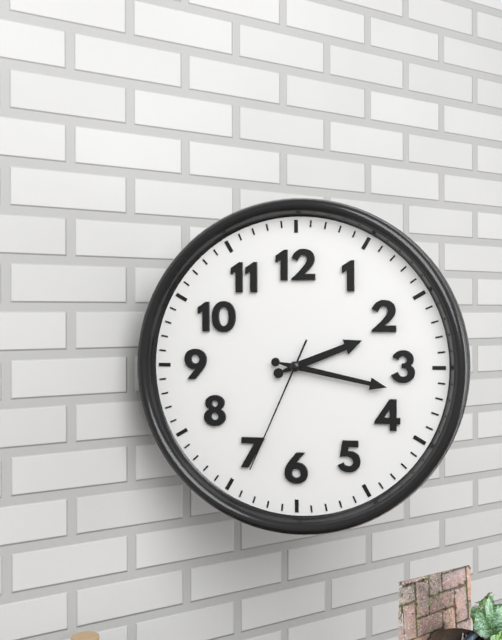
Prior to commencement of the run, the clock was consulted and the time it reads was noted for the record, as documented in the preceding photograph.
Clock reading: 2:17:34
